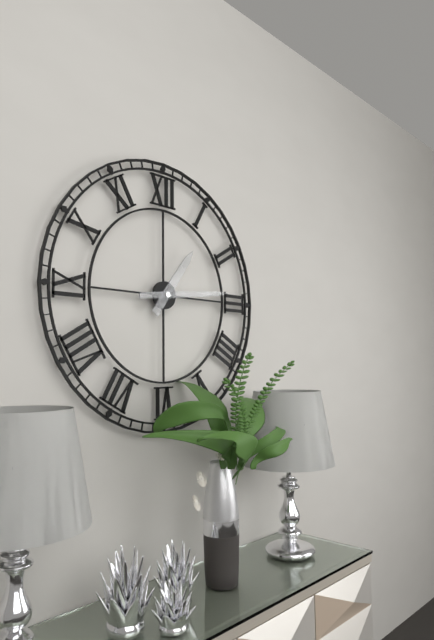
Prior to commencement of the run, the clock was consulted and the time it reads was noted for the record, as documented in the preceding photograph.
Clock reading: 1:14
